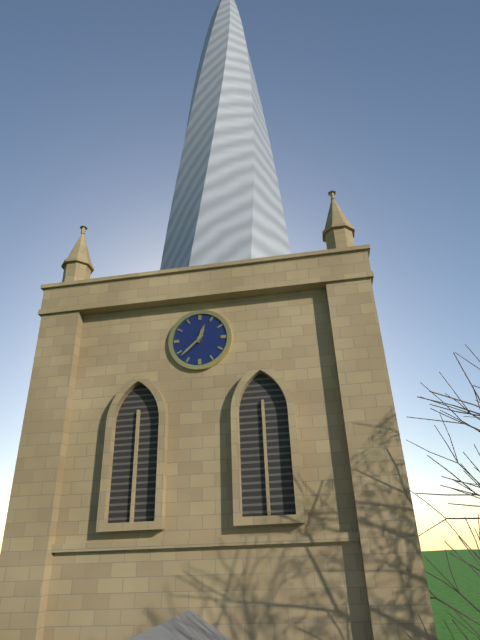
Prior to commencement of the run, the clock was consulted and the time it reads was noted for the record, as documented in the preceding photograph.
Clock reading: 12:38
